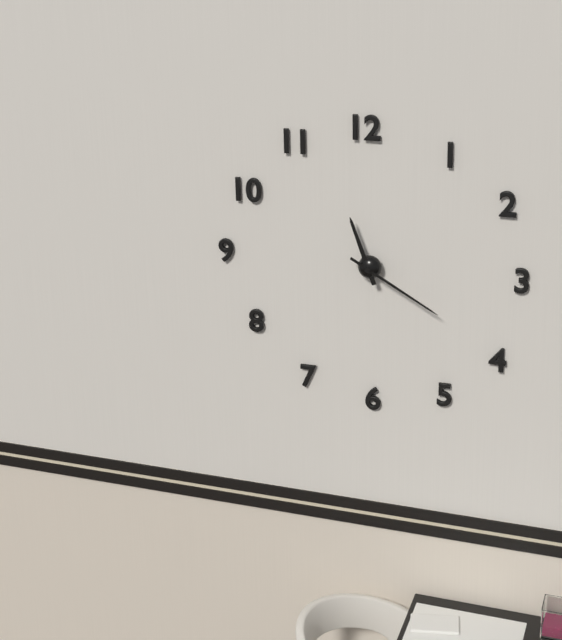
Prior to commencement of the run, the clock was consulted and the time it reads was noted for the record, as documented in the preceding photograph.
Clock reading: 11:20
